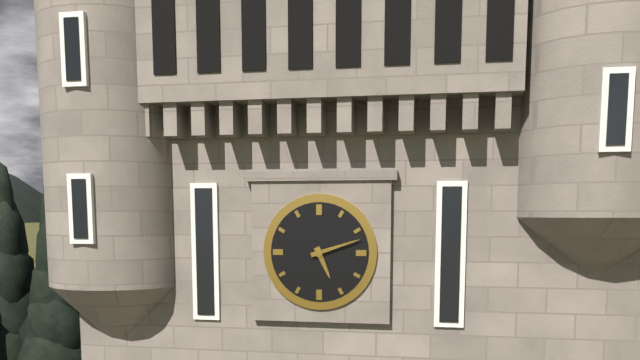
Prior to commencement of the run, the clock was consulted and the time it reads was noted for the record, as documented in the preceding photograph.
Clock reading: 5:12
